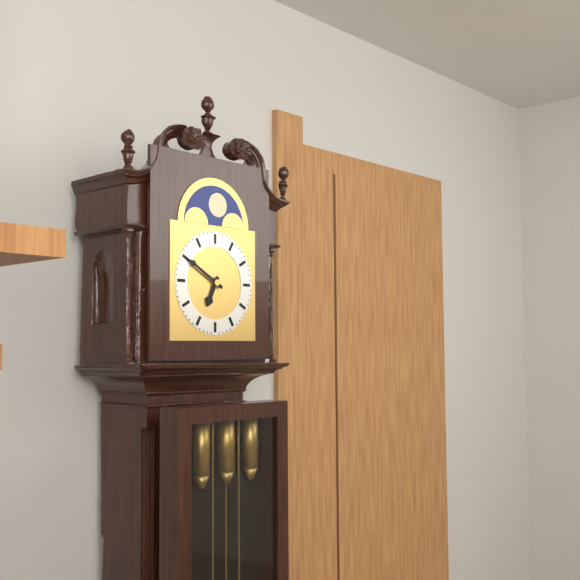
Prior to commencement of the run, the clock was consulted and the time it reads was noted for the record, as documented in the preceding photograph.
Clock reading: 6:50
